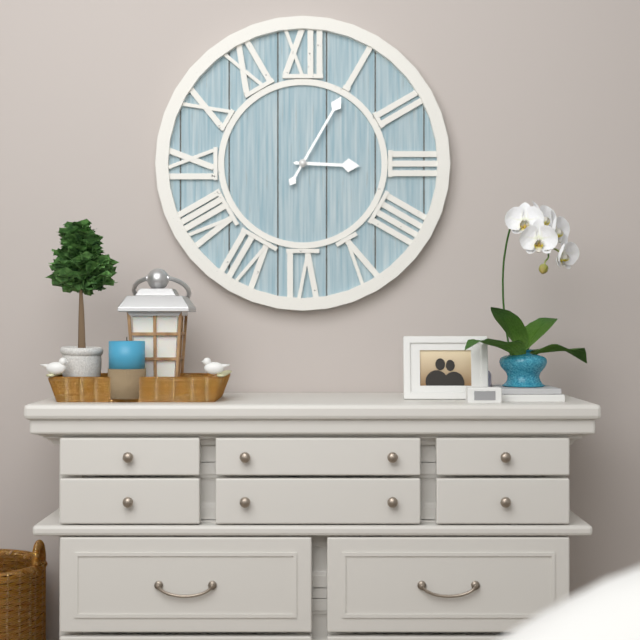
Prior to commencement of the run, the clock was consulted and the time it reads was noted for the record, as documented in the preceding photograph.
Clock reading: 3:05
